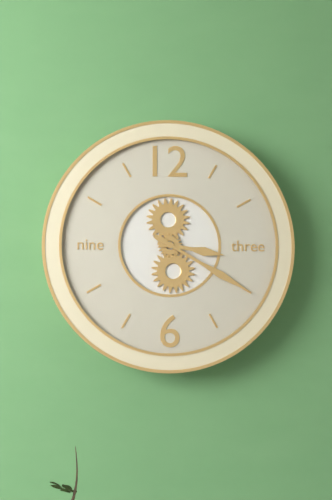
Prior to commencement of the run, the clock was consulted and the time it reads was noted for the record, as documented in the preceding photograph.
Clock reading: 3:20
